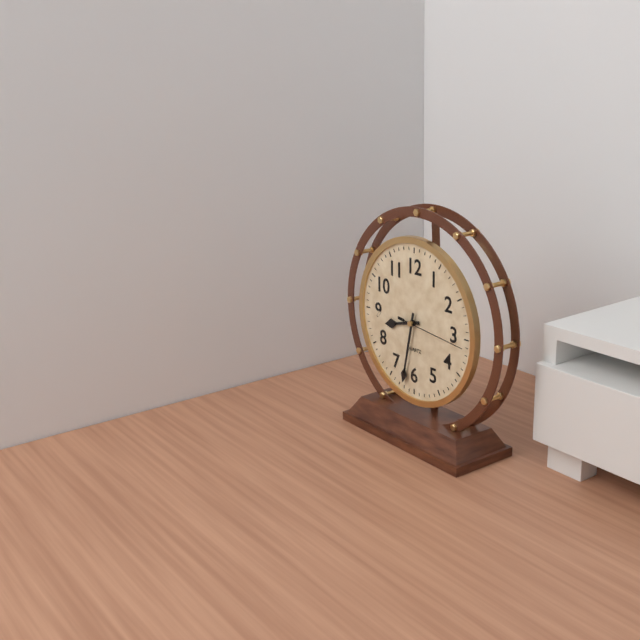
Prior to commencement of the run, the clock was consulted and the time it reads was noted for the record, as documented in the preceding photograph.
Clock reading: 8:32:16
